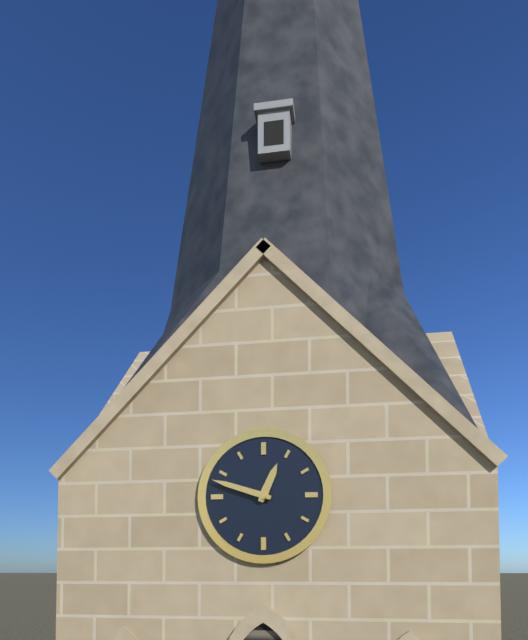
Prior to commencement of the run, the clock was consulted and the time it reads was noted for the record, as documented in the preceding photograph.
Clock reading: 12:48
